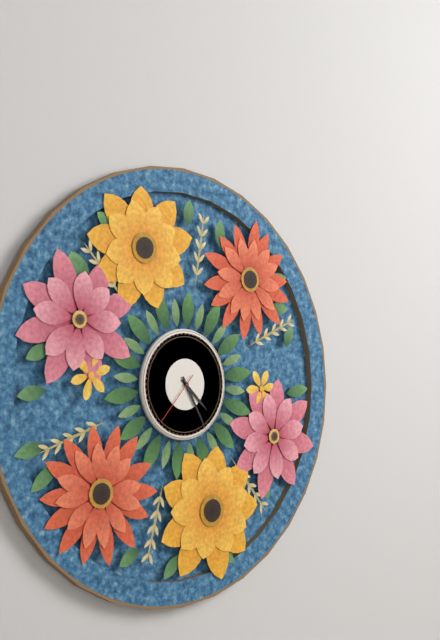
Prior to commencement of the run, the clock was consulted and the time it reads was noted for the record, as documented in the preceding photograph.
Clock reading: 4:25
